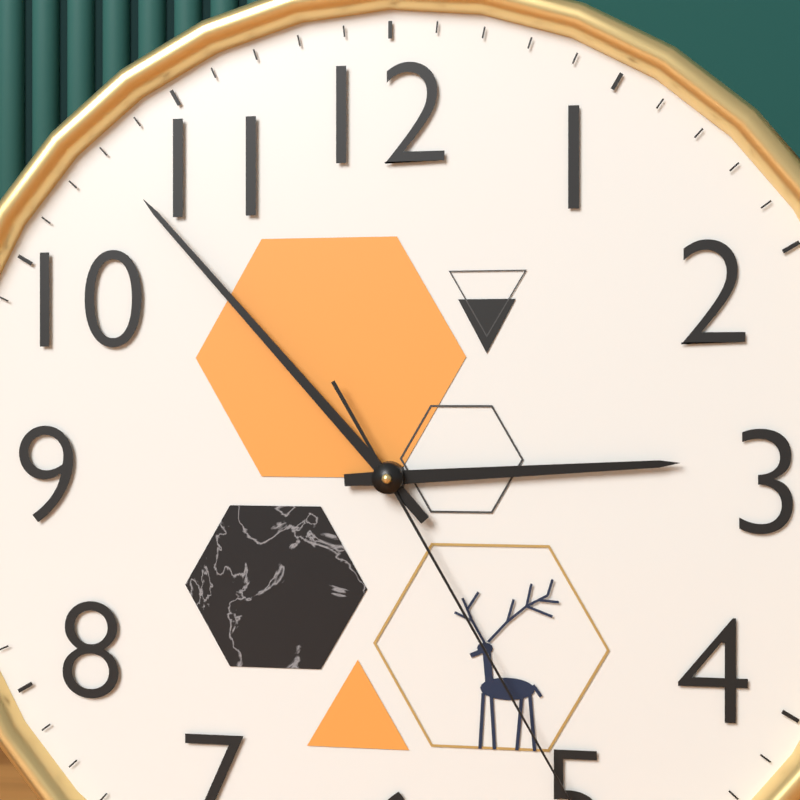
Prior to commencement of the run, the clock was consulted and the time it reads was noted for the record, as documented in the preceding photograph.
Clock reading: 2:53
